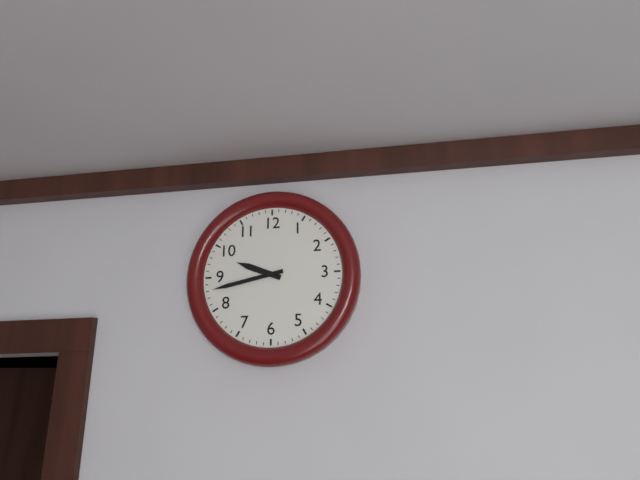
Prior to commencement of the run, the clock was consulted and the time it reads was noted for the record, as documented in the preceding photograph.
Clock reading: 9:43
